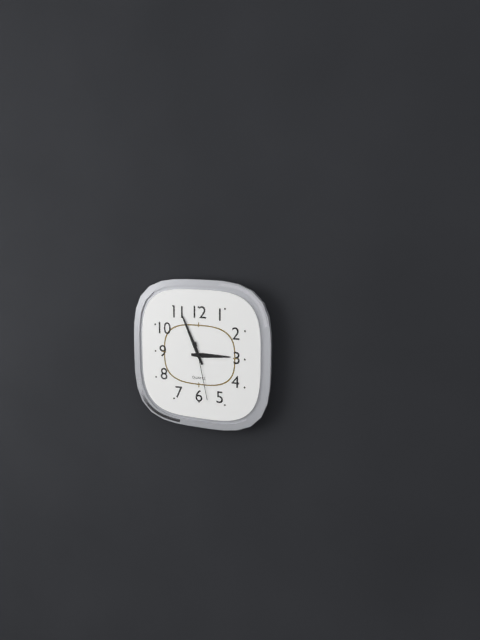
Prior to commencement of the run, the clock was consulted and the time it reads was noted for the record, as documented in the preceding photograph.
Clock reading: 2:56:28
